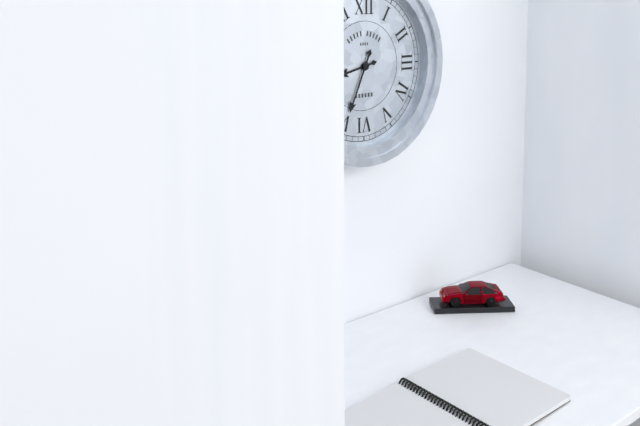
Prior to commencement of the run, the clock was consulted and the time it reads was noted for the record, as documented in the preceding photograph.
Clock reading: 8:34
